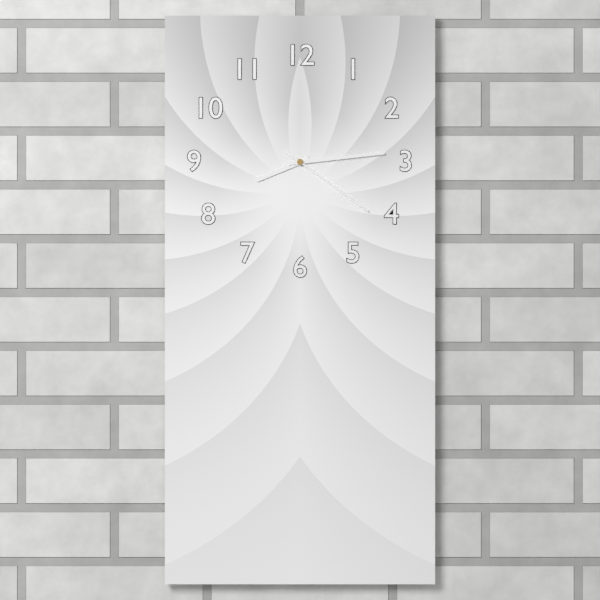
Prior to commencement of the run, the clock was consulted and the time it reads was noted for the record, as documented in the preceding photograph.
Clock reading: 8:14:21
